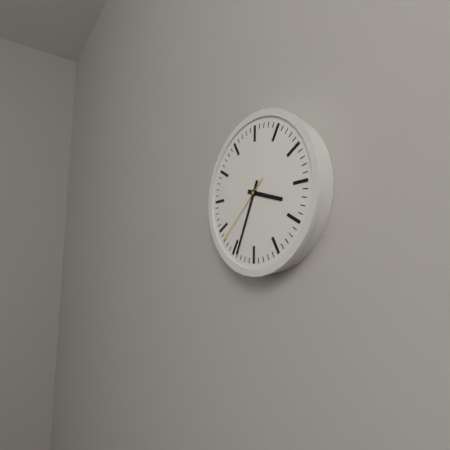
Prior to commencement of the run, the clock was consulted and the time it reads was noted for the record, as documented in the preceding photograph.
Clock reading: 3:34:38
